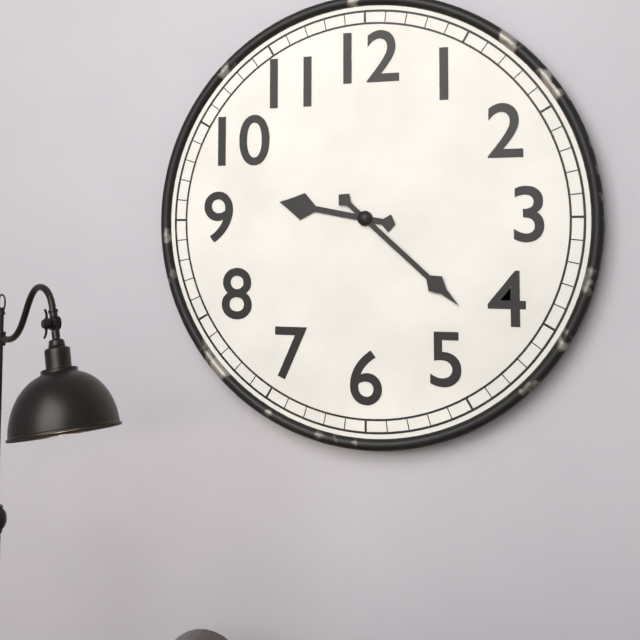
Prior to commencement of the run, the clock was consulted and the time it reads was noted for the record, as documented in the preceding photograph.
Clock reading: 9:22
